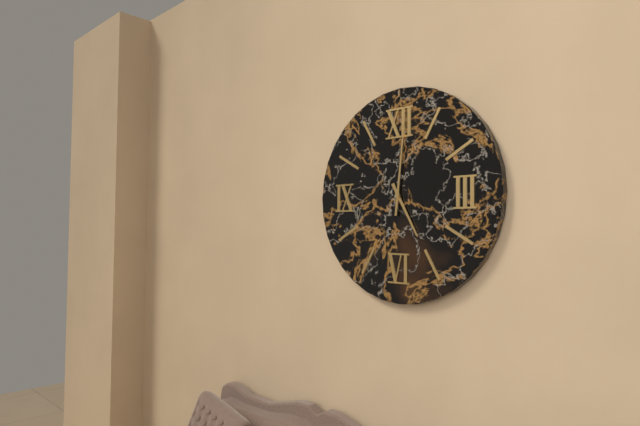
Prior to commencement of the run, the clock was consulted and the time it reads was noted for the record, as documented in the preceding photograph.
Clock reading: 5:01
